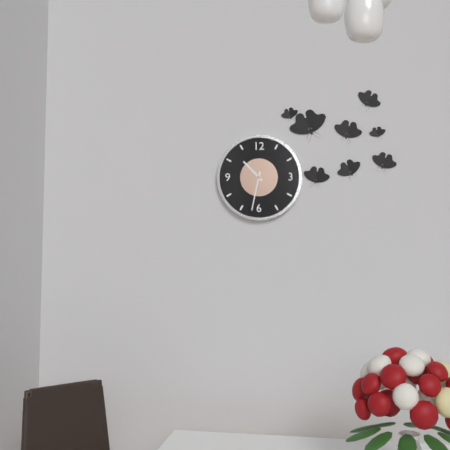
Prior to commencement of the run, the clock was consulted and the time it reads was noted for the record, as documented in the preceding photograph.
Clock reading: 10:32
